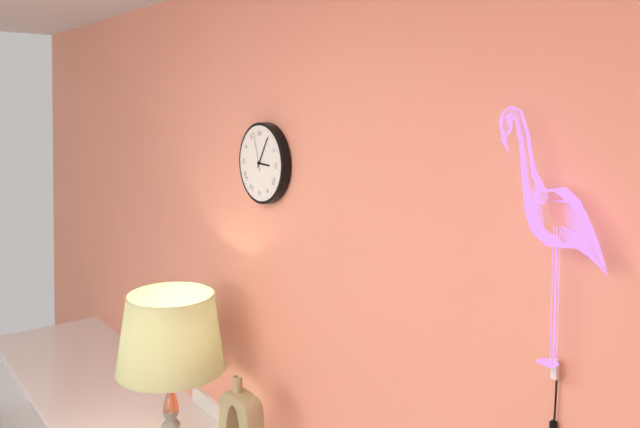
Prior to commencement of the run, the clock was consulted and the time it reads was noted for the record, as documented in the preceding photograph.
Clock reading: 3:05
